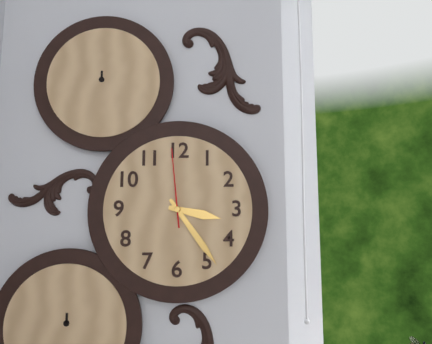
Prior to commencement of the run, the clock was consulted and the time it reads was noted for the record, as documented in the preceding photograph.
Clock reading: 3:24:59
